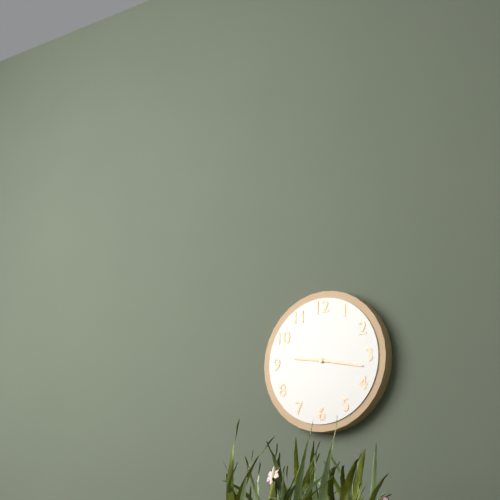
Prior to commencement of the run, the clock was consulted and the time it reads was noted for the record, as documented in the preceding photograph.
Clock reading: 9:17
